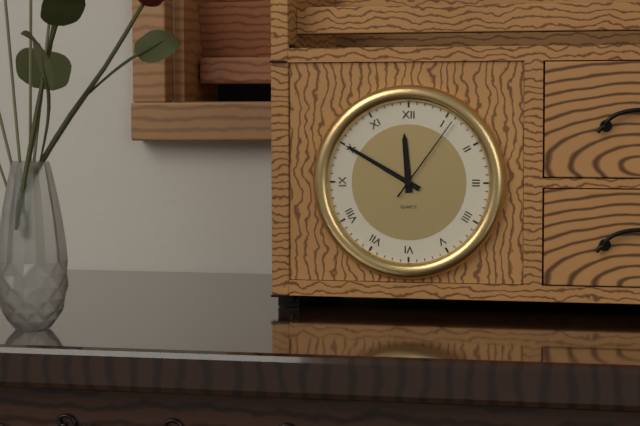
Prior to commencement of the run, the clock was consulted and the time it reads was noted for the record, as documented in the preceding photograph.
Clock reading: 11:50:06
